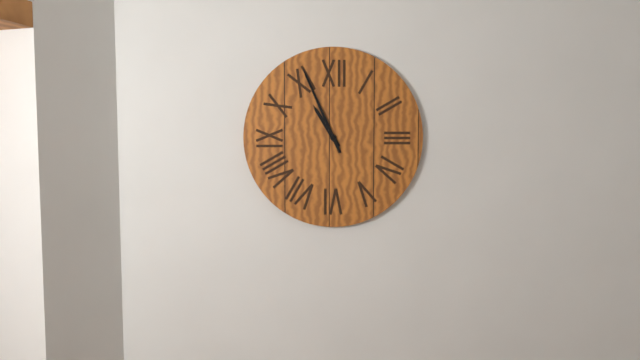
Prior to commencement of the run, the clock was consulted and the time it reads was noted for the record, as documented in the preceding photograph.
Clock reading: 10:56
